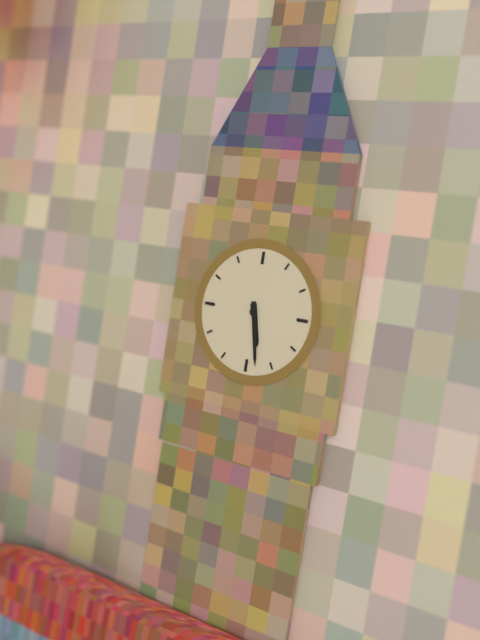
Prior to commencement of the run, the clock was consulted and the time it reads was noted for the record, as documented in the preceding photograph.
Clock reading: 5:28
